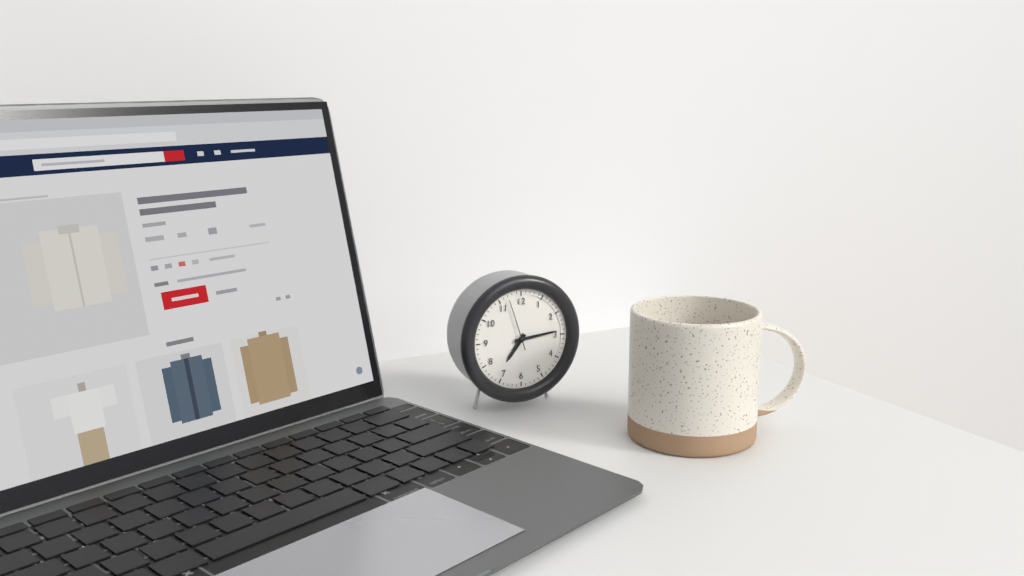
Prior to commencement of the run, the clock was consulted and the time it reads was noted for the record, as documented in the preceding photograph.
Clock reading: 7:14:57
